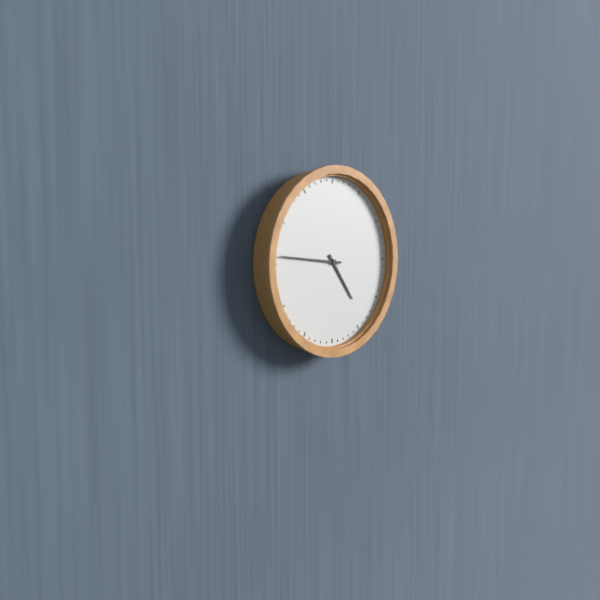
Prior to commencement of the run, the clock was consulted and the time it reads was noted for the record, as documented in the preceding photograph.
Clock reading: 4:46
